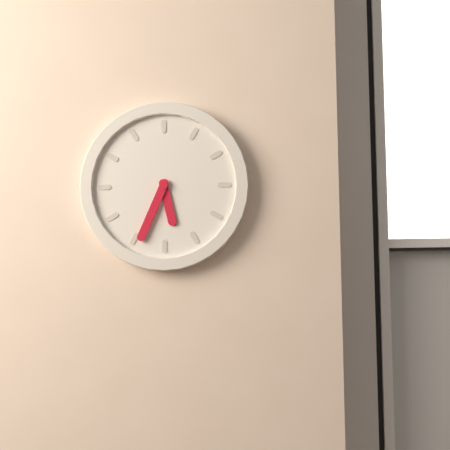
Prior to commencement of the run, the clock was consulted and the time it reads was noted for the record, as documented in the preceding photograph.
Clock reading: 5:34
